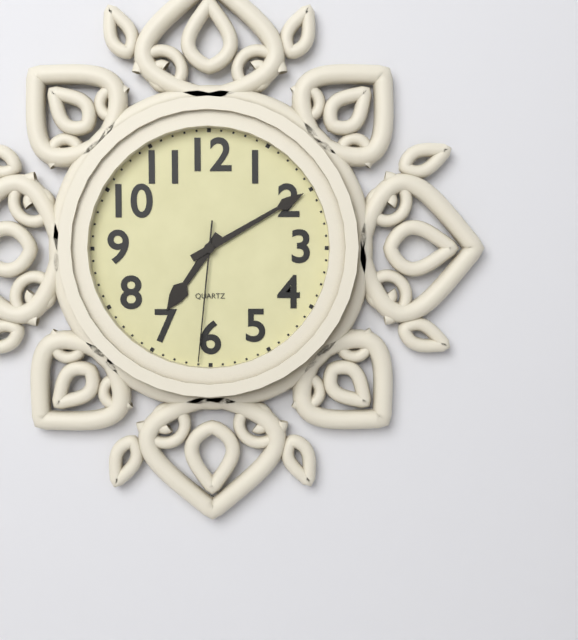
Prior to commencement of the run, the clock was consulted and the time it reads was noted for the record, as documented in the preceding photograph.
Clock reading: 7:10:31
